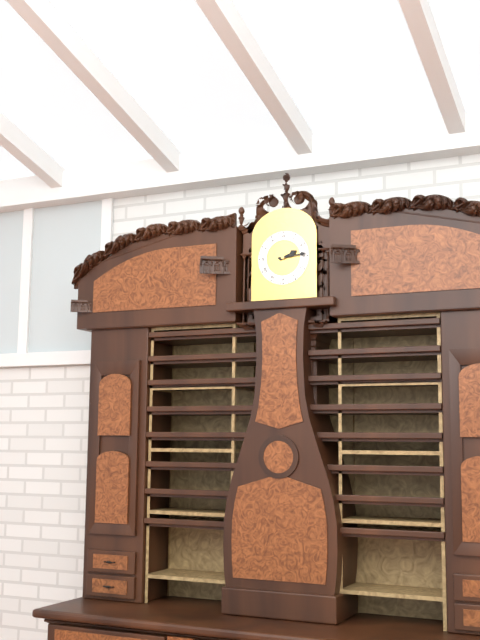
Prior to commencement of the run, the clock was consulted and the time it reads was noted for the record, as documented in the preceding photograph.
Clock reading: 2:14
